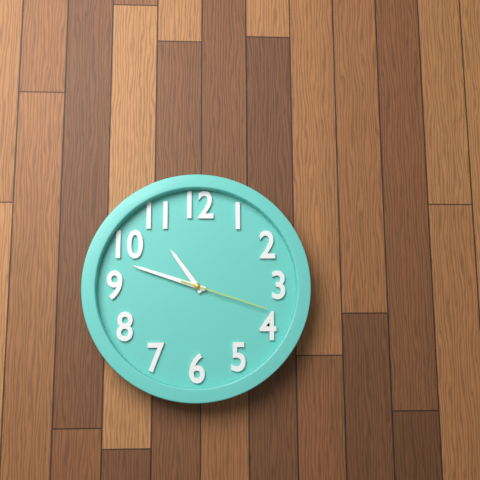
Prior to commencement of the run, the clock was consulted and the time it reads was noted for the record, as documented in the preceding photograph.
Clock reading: 10:48:18
